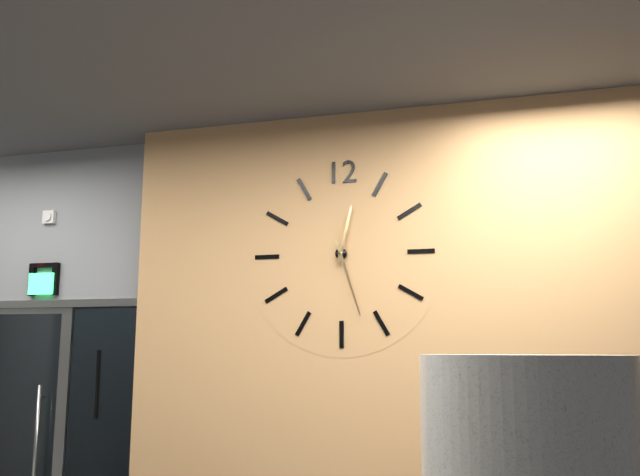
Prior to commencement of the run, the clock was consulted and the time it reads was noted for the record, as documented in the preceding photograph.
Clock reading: 12:27
